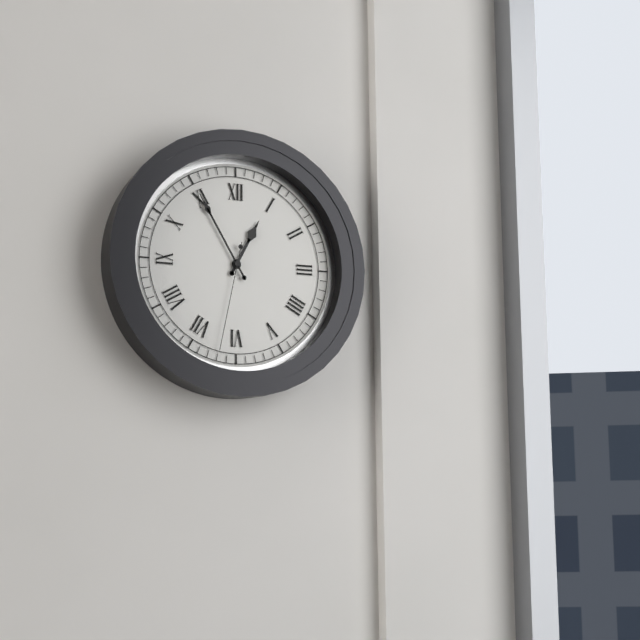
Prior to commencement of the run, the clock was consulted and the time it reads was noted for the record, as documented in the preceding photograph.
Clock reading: 12:55:32
